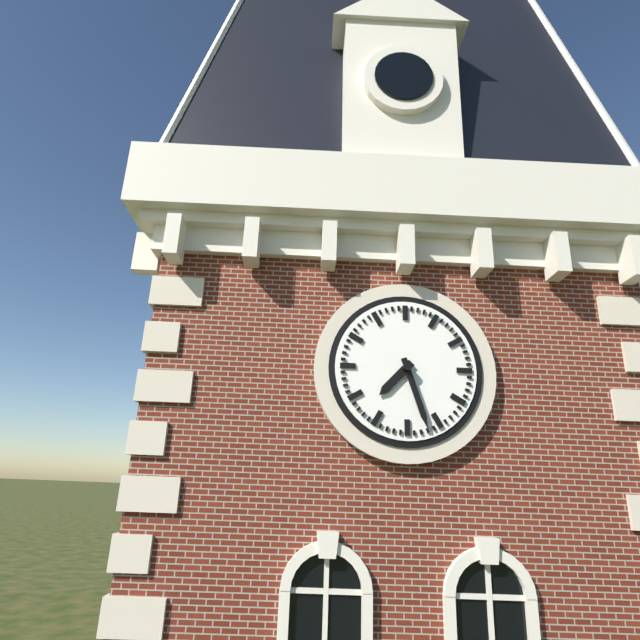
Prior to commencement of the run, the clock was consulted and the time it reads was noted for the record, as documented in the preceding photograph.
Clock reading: 7:27
